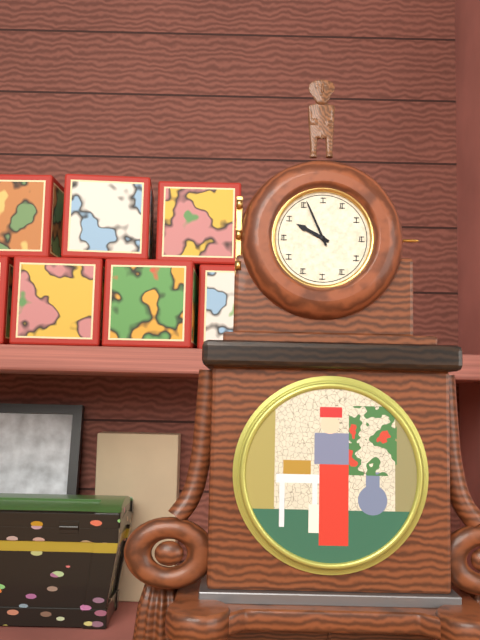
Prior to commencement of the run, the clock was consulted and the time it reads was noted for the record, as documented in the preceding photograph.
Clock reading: 9:56
